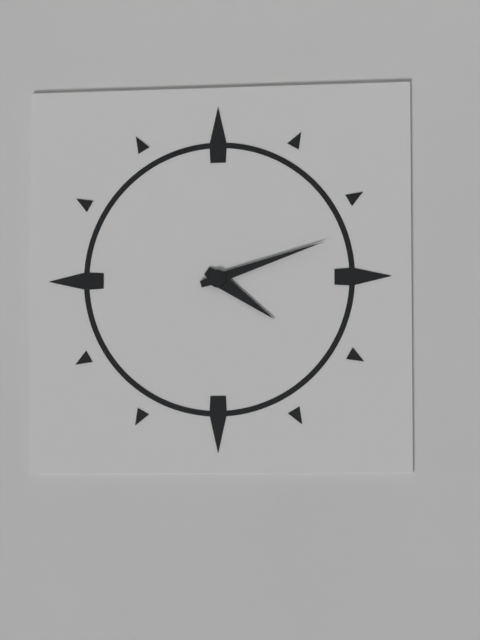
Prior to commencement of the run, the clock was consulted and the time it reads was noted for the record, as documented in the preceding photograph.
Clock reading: 4:12
